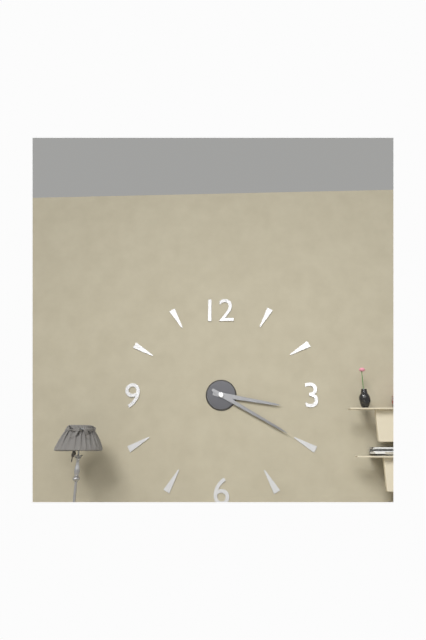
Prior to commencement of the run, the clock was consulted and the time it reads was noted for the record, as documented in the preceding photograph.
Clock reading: 3:20
